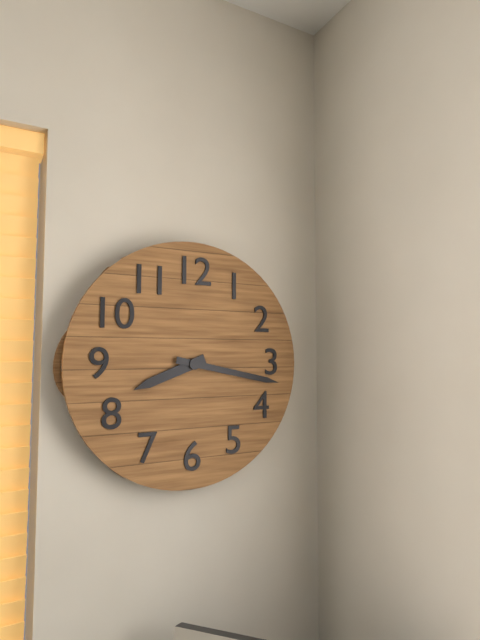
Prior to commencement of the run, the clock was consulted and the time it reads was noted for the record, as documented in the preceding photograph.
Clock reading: 8:17
